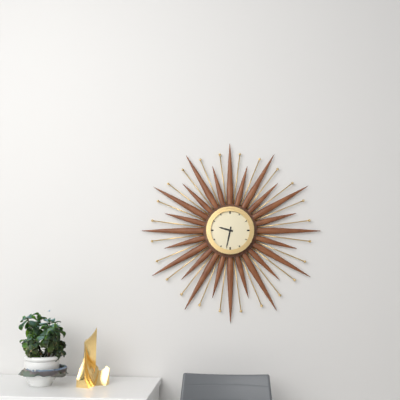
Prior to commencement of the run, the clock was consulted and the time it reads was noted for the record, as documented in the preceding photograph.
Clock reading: 9:32
